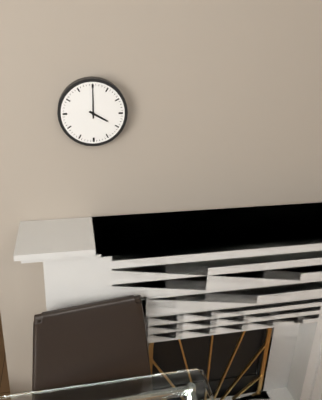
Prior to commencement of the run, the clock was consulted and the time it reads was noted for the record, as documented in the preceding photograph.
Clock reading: 4:00
